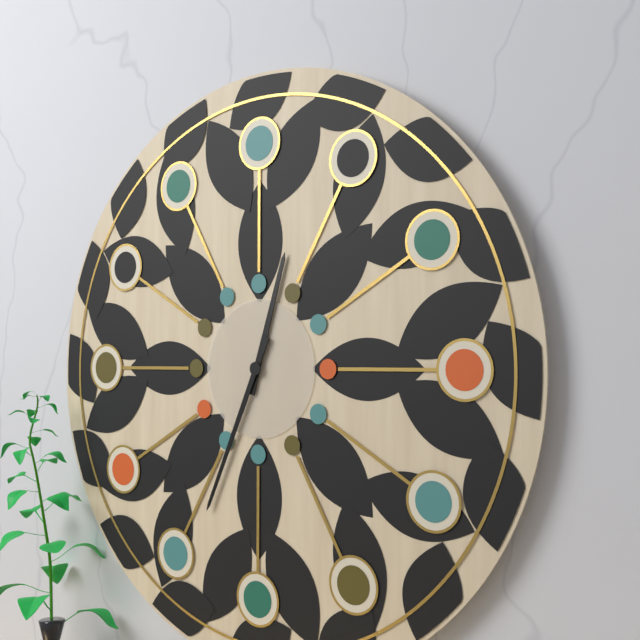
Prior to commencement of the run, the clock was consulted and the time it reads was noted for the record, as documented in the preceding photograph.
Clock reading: 12:34
